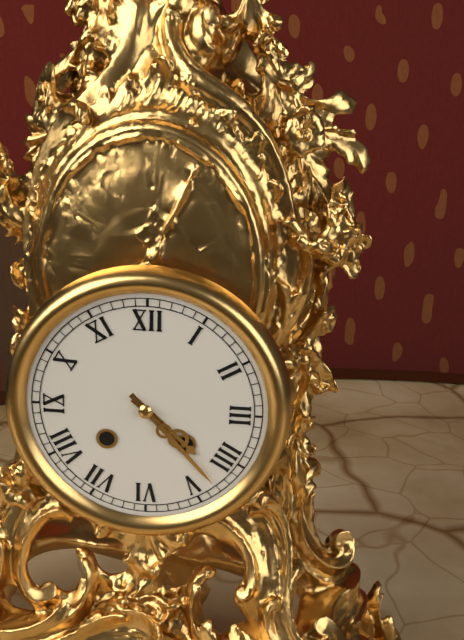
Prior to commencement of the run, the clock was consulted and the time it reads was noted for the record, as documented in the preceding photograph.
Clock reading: 4:23
